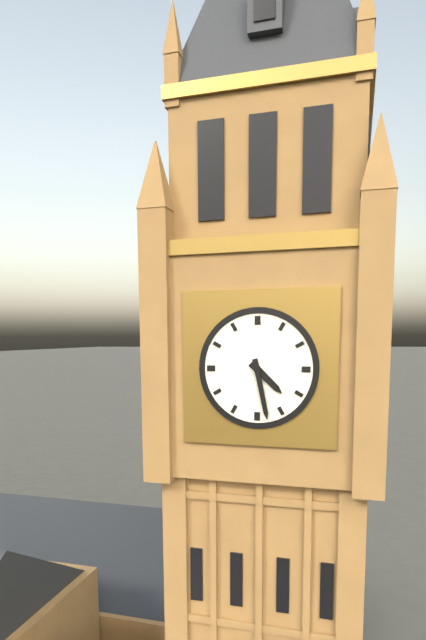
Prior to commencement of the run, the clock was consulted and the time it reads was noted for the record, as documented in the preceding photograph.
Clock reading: 4:28
